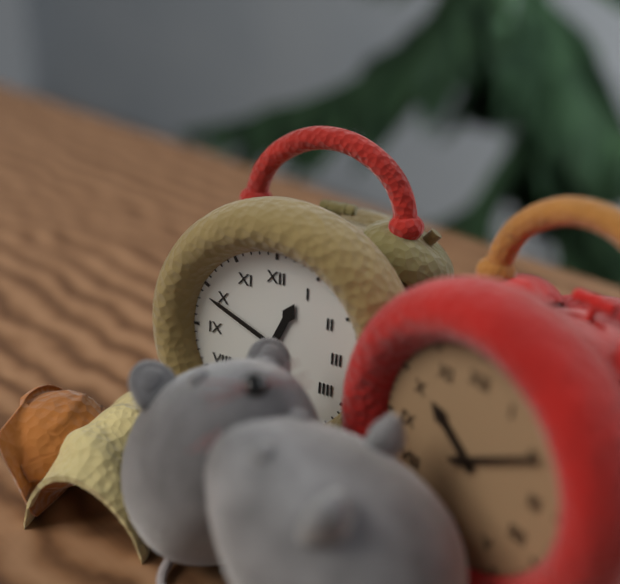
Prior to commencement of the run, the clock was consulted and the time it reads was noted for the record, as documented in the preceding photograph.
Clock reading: 12:49
